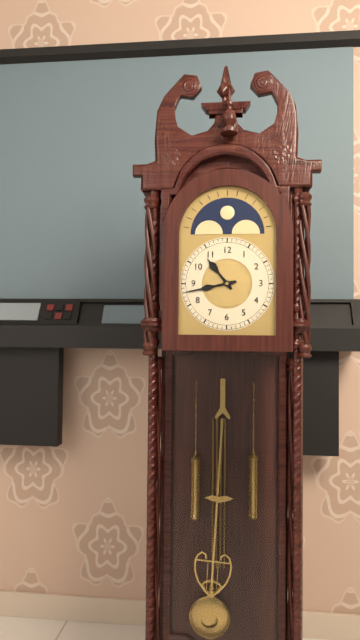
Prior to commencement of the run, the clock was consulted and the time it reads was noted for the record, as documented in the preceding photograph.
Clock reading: 10:43
